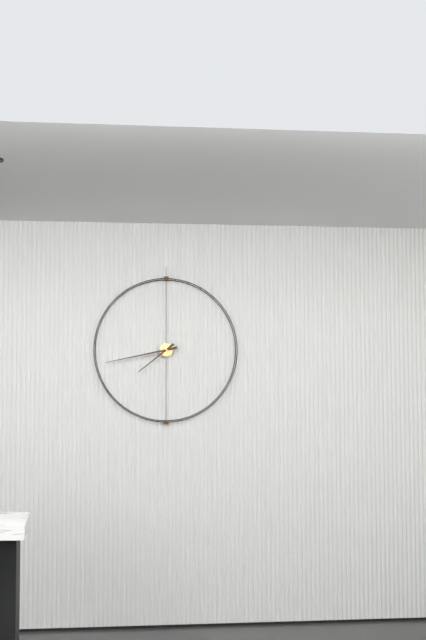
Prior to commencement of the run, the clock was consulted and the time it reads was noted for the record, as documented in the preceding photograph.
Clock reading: 7:43
